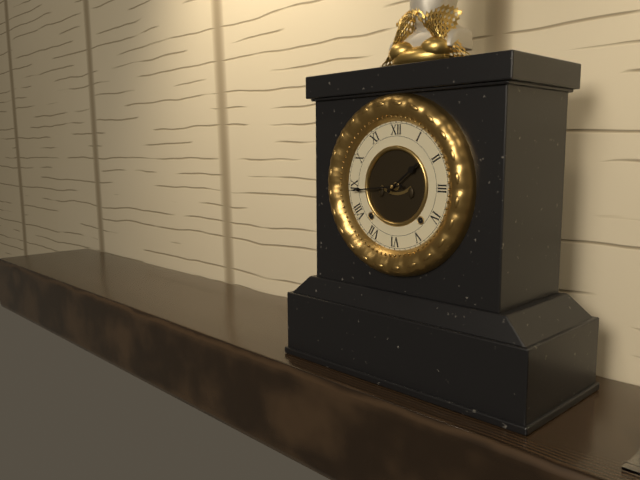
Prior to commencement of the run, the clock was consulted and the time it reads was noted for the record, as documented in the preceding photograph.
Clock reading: 1:44
